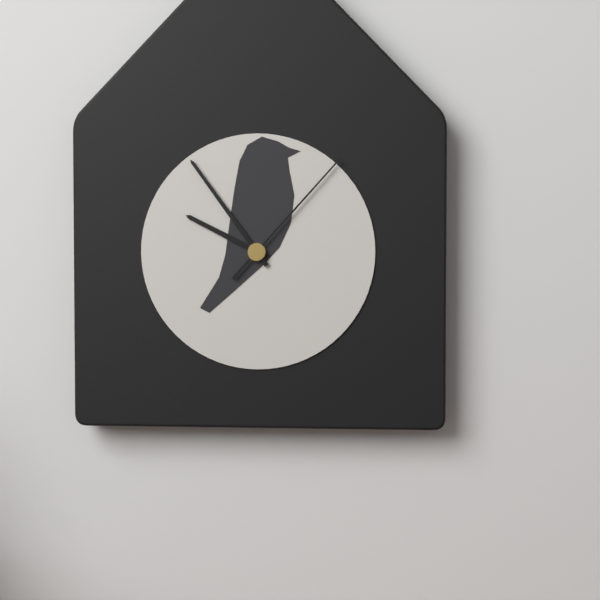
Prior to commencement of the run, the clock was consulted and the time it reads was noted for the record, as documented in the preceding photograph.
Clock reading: 9:54:07
